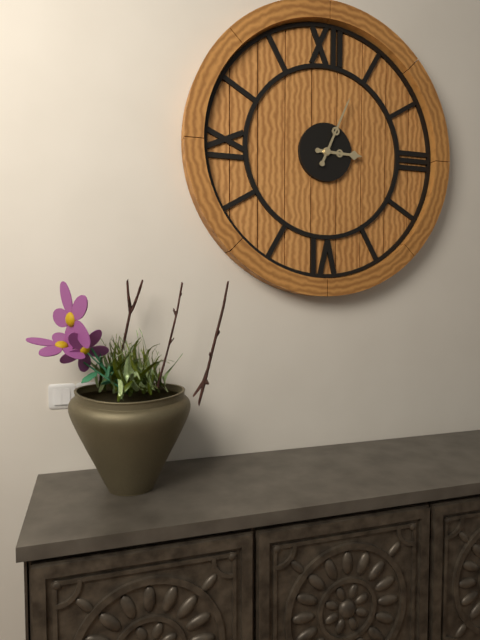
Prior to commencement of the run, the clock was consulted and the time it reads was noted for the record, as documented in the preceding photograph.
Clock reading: 3:04
